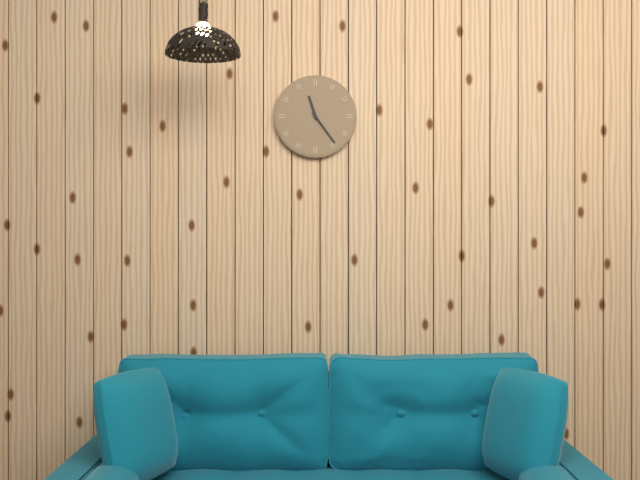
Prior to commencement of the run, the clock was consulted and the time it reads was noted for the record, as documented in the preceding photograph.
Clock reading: 11:24
